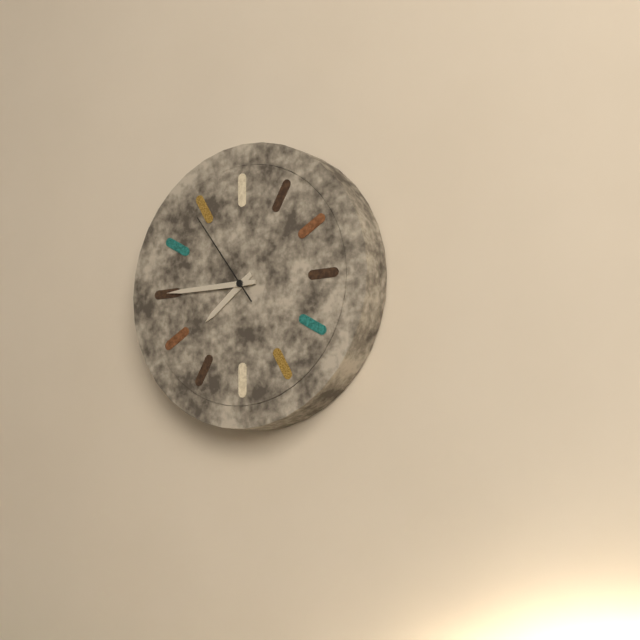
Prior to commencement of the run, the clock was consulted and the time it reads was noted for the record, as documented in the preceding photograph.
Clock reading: 7:45:54
